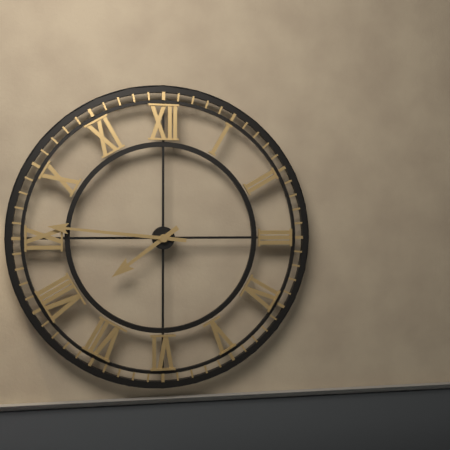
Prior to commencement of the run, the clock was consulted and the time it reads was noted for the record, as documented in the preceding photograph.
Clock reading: 7:46
